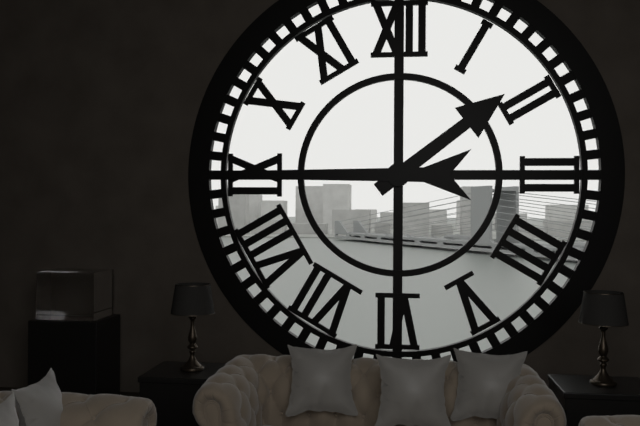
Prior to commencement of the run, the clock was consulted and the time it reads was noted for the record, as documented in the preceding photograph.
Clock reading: 1:45
